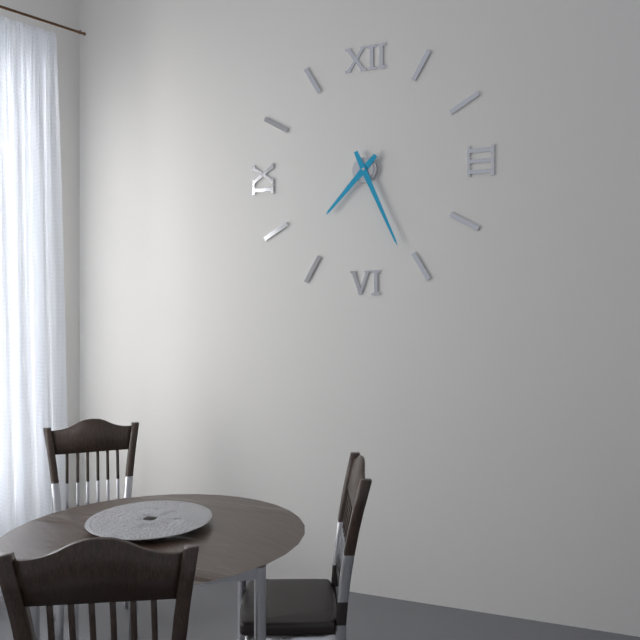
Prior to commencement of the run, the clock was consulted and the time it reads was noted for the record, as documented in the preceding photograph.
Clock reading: 7:26
